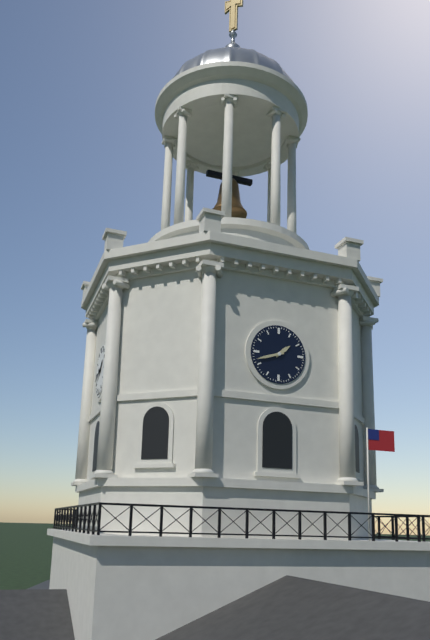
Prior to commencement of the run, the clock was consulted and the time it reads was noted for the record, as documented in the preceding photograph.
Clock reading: 1:42
